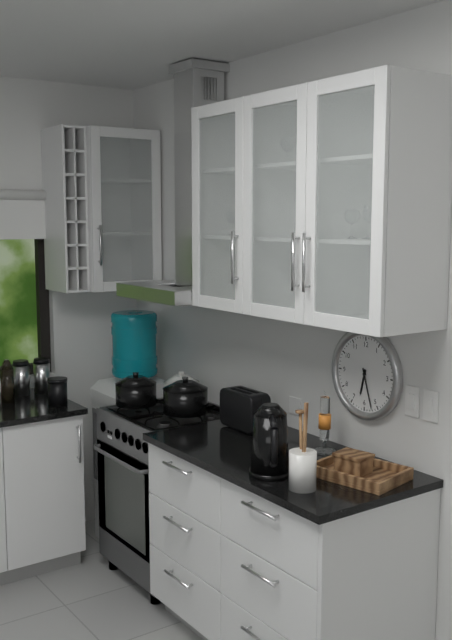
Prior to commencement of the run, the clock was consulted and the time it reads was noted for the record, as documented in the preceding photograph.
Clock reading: 6:27
